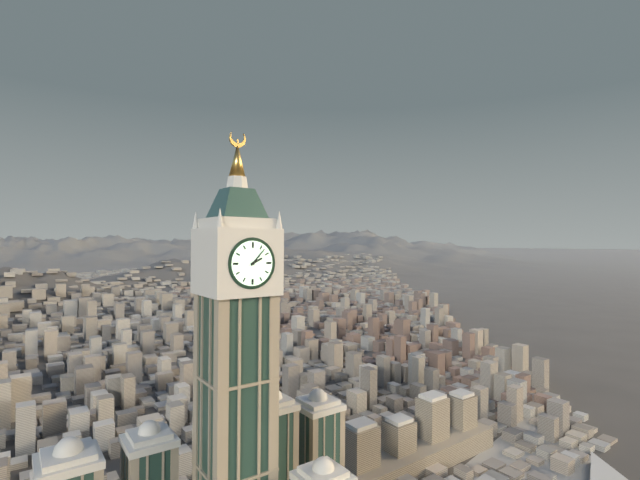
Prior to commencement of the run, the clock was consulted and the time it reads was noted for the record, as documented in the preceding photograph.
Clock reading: 2:07
